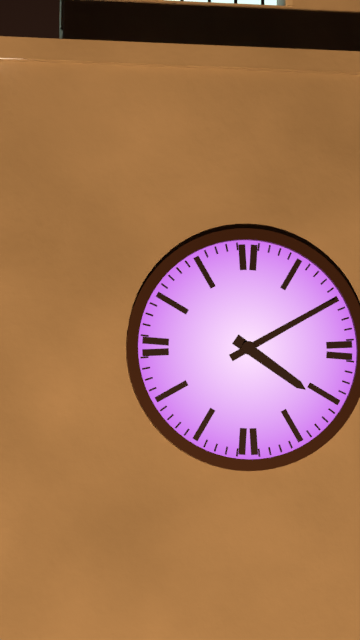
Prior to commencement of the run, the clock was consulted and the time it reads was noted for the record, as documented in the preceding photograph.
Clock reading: 4:10
